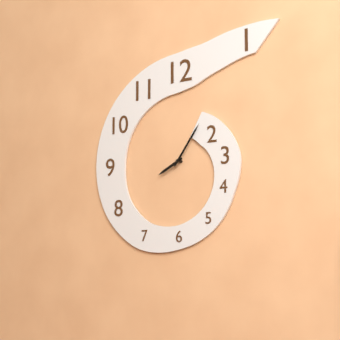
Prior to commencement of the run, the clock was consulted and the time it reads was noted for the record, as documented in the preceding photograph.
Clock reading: 8:06
